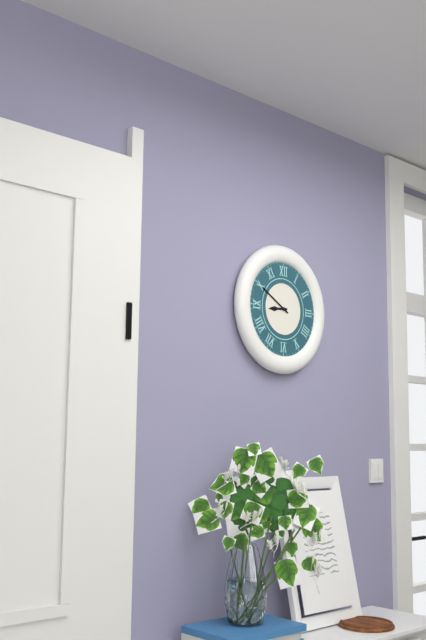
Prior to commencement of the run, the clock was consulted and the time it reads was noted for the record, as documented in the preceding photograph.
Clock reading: 8:50
